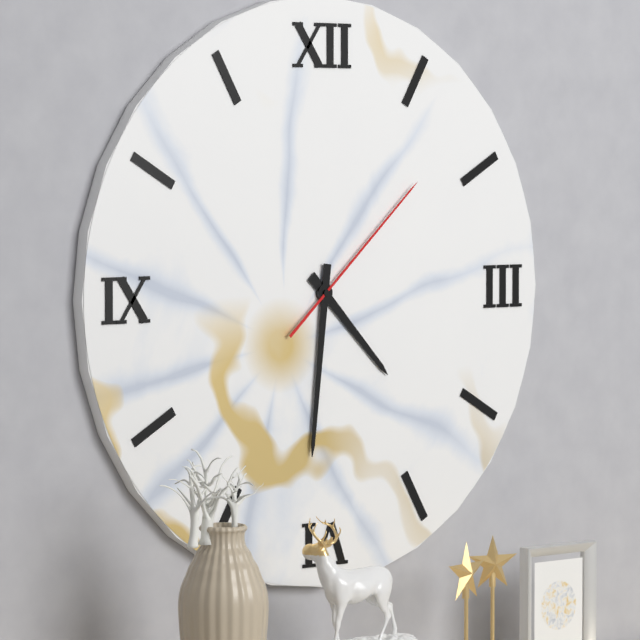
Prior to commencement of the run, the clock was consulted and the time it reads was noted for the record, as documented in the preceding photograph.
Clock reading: 4:31:08
